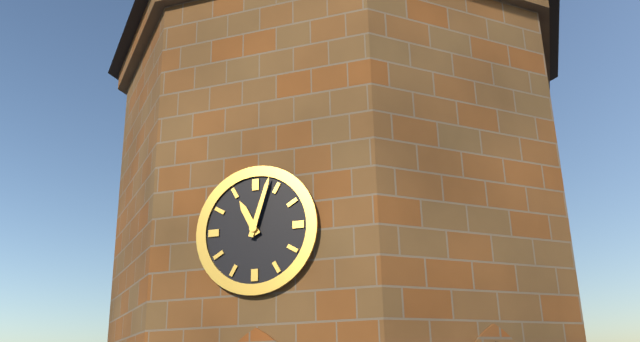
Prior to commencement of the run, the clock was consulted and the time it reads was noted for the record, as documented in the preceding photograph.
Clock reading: 11:03
